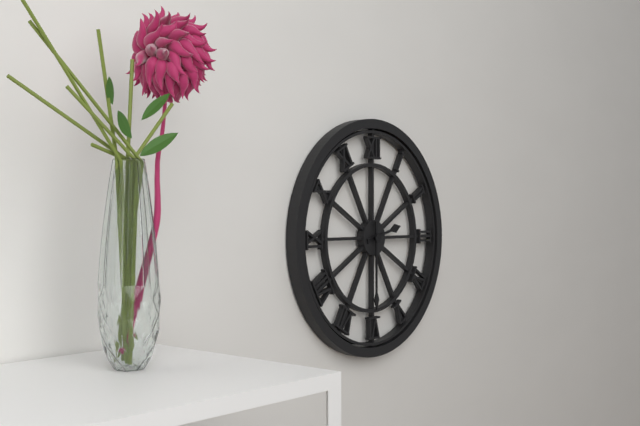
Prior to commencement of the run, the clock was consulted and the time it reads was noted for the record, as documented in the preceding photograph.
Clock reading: 2:30
